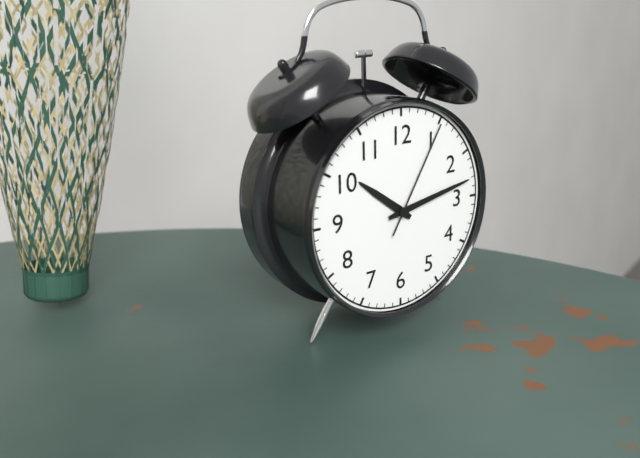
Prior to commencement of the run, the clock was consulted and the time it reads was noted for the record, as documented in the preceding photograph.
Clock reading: 10:13:05
